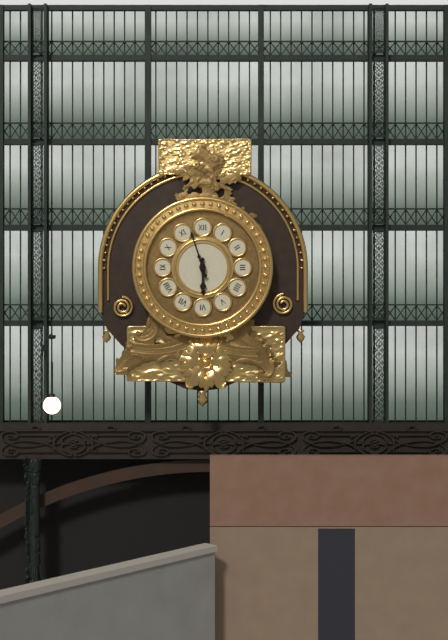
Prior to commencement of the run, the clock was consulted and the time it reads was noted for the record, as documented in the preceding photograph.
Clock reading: 5:57
